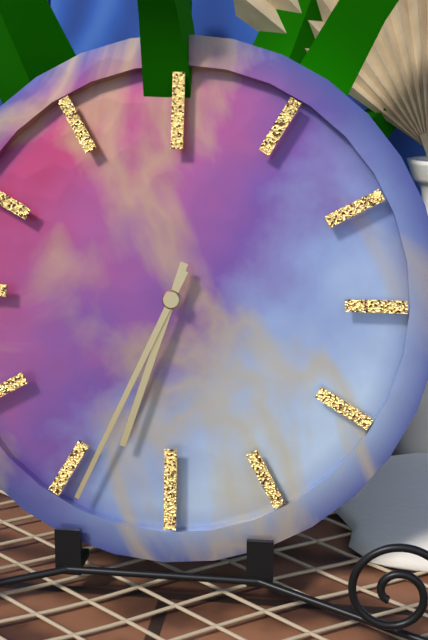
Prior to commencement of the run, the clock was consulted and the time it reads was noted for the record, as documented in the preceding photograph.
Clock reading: 6:34
